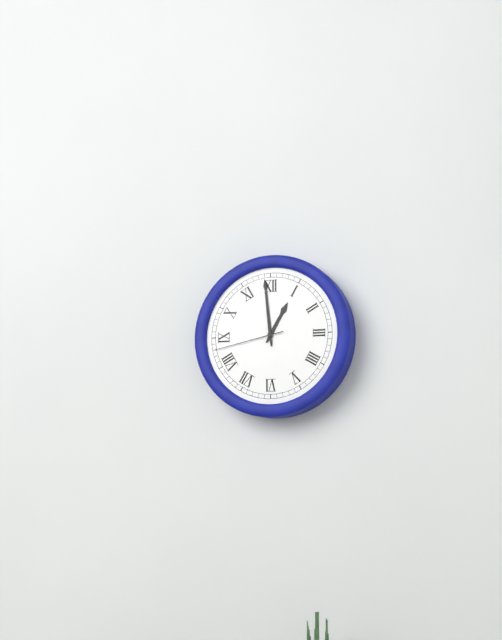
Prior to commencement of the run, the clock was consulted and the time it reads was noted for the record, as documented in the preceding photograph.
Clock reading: 12:59:43
